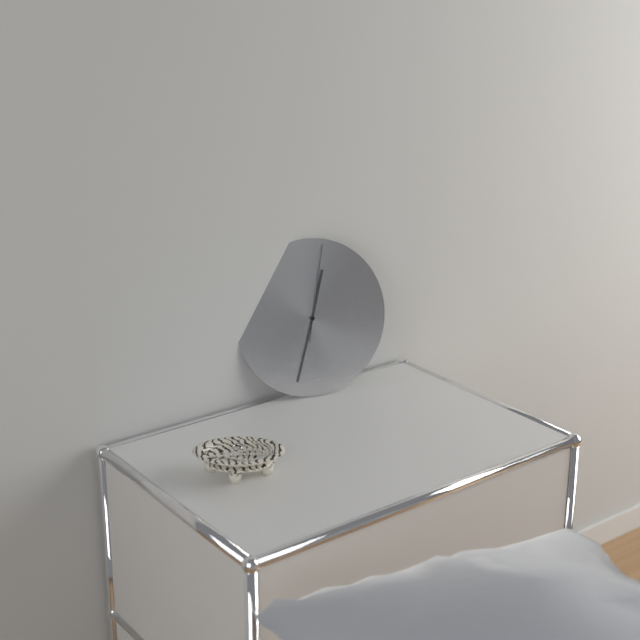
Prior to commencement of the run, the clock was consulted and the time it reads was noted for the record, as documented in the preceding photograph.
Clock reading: 12:33:02
